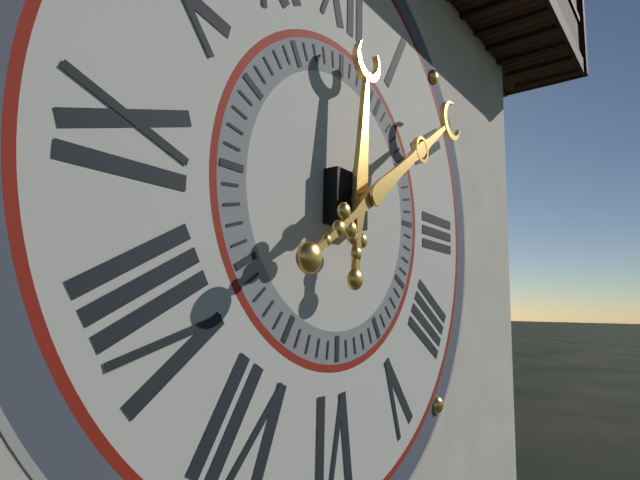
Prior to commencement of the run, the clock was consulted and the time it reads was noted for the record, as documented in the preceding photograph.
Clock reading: 12:09
